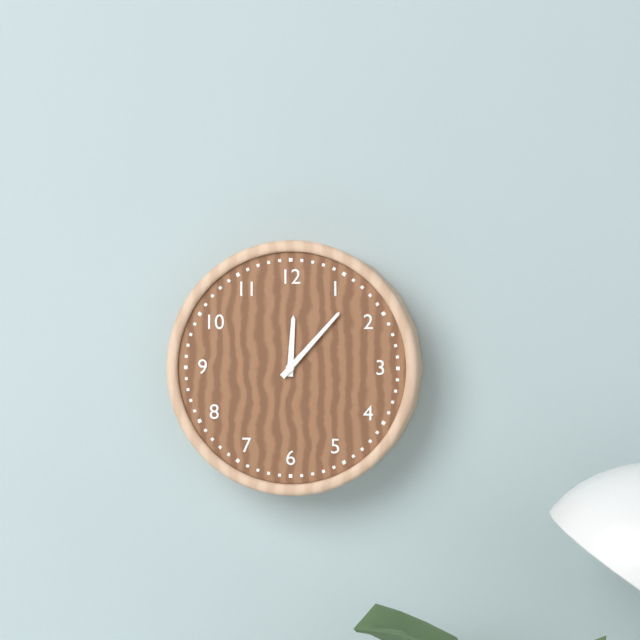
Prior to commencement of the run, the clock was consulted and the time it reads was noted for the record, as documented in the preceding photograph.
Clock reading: 12:07
